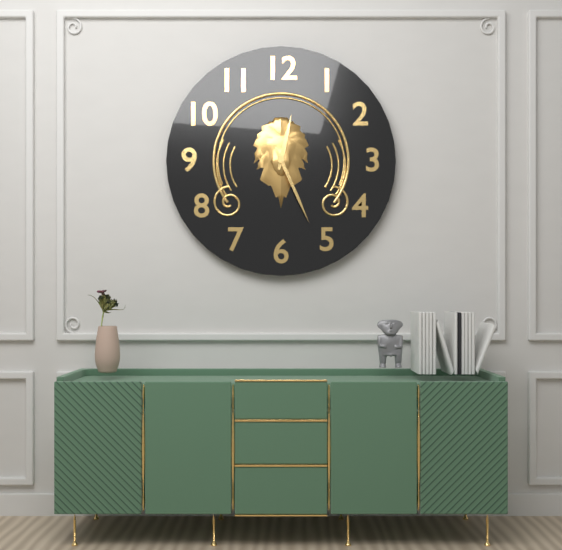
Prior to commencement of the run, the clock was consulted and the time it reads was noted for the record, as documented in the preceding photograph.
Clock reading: 12:26
